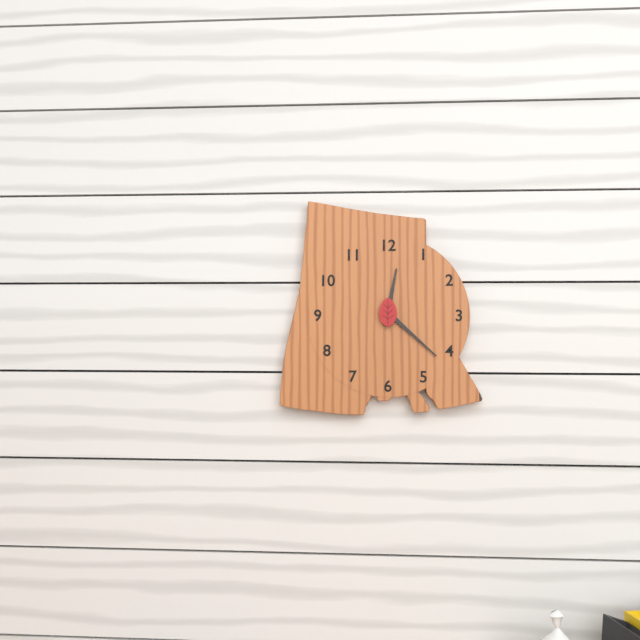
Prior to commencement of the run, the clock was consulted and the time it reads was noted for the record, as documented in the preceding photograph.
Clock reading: 12:22
